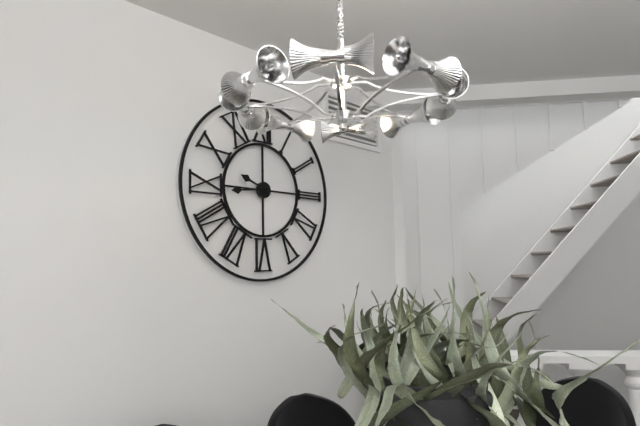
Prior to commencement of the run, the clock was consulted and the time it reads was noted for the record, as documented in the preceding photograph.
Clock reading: 9:44
